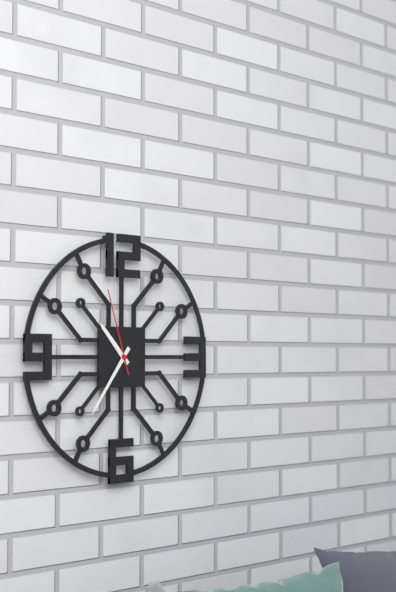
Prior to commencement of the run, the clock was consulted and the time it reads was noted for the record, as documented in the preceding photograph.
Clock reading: 10:36:57
